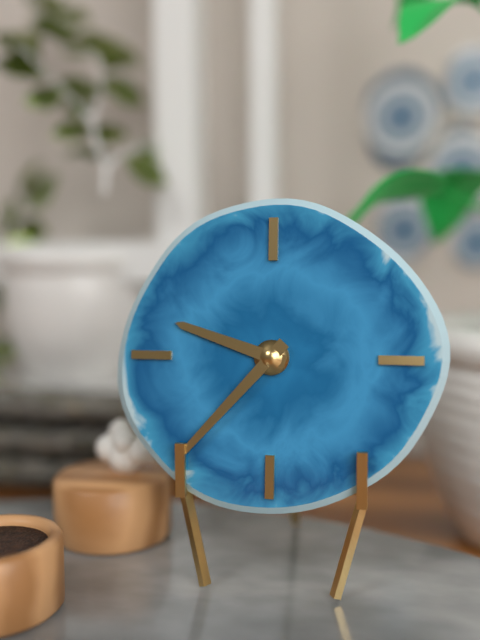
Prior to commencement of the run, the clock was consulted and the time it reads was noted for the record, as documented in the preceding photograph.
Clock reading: 9:37
